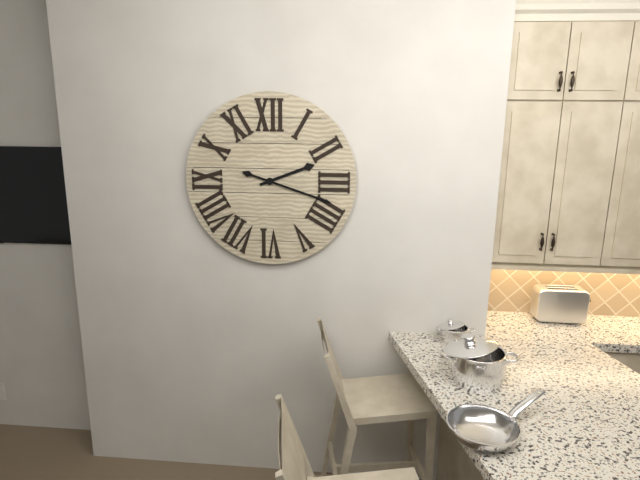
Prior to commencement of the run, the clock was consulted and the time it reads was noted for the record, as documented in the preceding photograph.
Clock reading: 2:18
